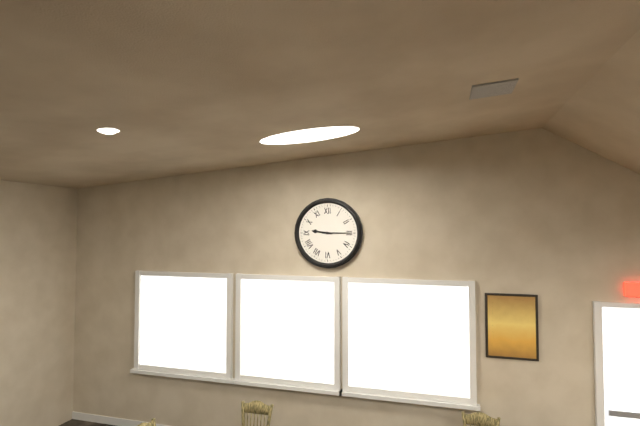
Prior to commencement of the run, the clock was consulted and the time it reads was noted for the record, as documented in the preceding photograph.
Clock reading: 9:15
